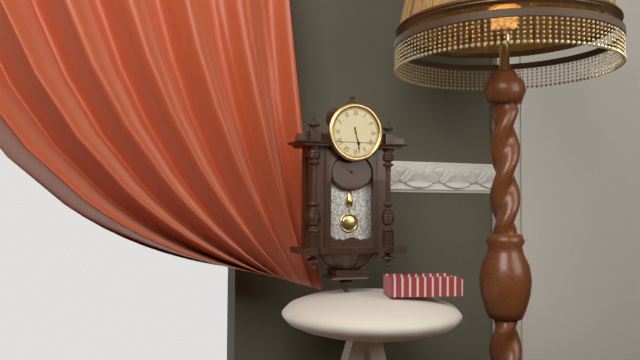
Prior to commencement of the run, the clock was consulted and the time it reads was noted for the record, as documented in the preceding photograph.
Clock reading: 5:28
